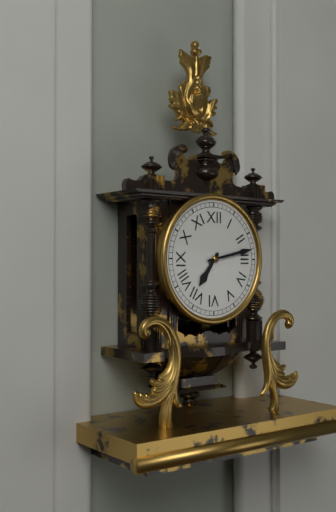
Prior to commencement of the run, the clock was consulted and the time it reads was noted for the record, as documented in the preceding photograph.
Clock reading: 7:13
